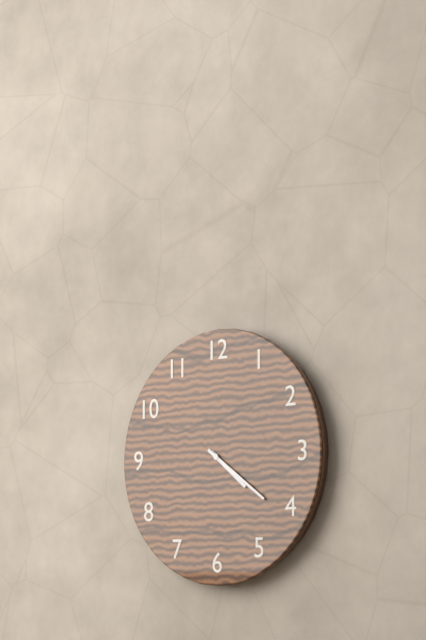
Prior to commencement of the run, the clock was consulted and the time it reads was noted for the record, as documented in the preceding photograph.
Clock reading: 4:21
